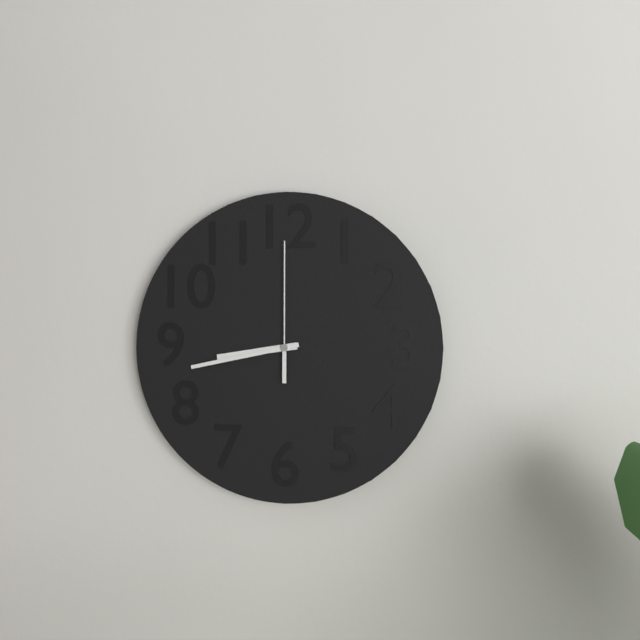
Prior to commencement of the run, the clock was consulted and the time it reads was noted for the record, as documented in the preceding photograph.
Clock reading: 8:43:00
